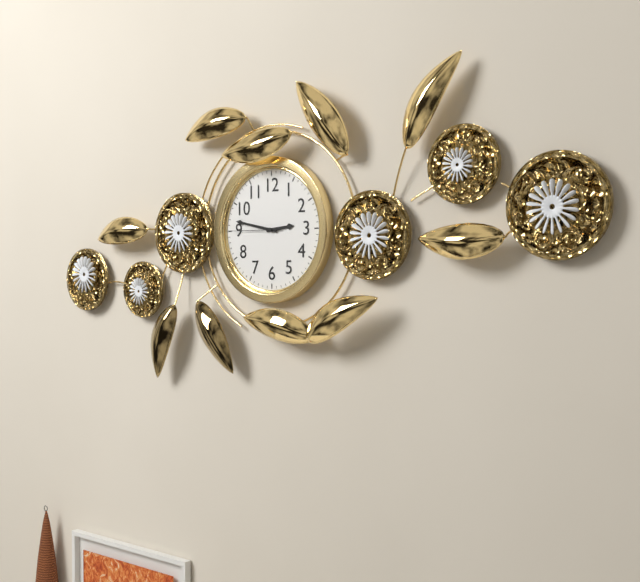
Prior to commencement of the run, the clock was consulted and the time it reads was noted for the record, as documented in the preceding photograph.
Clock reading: 2:47
